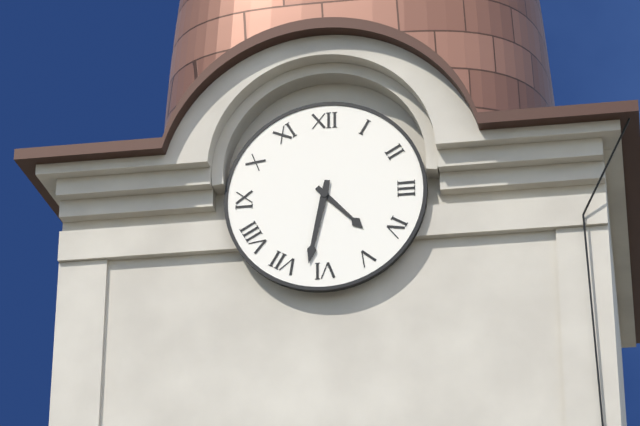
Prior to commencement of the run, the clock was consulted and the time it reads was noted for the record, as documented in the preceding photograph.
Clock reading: 4:32
